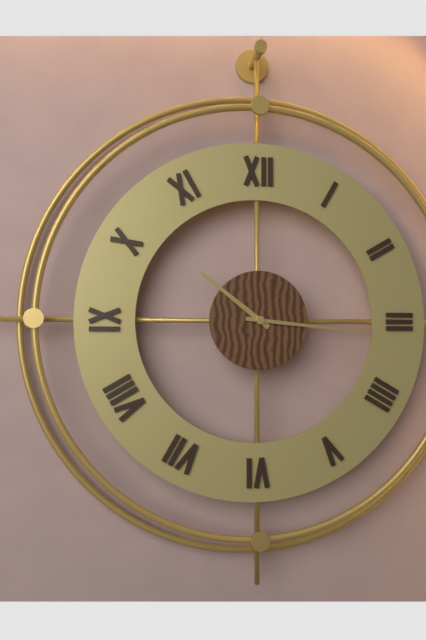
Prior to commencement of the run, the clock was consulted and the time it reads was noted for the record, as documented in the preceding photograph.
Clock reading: 10:16
